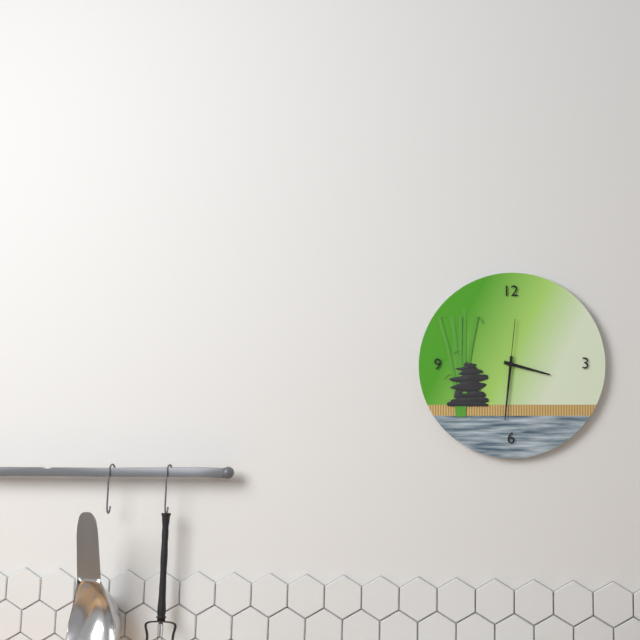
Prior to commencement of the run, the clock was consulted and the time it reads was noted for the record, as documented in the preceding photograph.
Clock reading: 3:31:01
